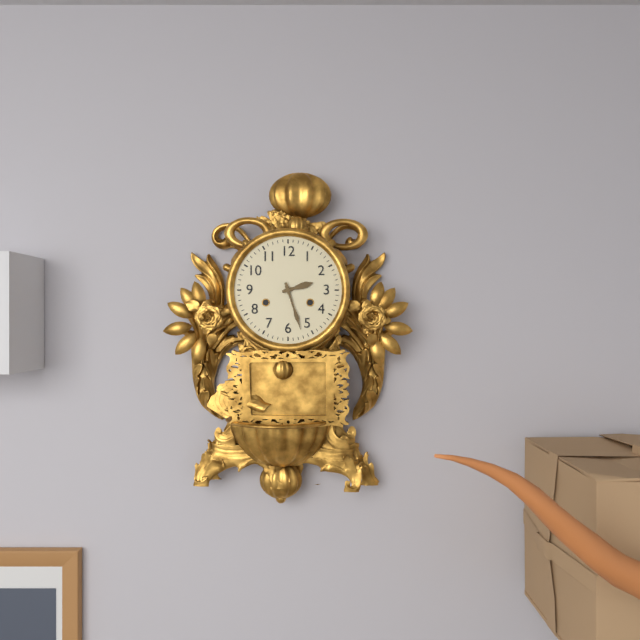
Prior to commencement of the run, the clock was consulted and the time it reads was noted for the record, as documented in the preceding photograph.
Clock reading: 2:27
